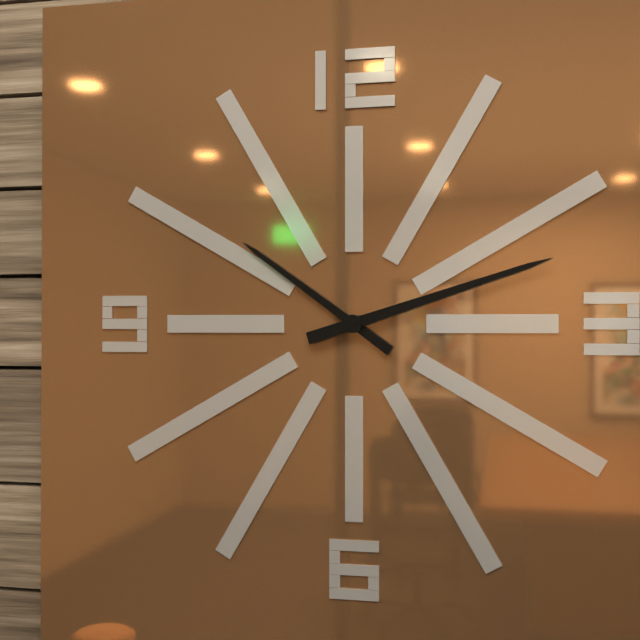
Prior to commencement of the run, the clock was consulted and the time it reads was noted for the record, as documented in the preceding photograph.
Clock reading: 10:12
